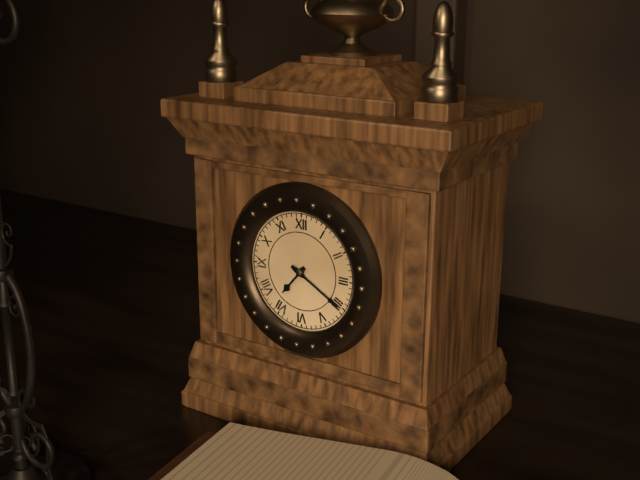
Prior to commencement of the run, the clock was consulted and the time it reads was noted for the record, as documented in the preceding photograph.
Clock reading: 7:20
